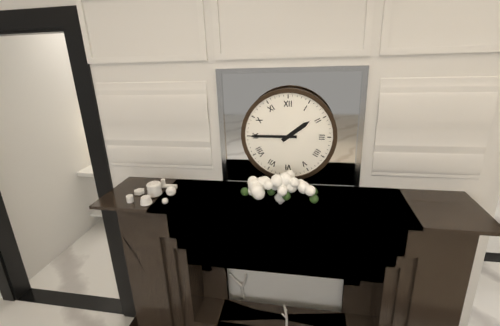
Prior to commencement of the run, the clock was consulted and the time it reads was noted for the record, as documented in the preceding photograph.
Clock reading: 1:45
